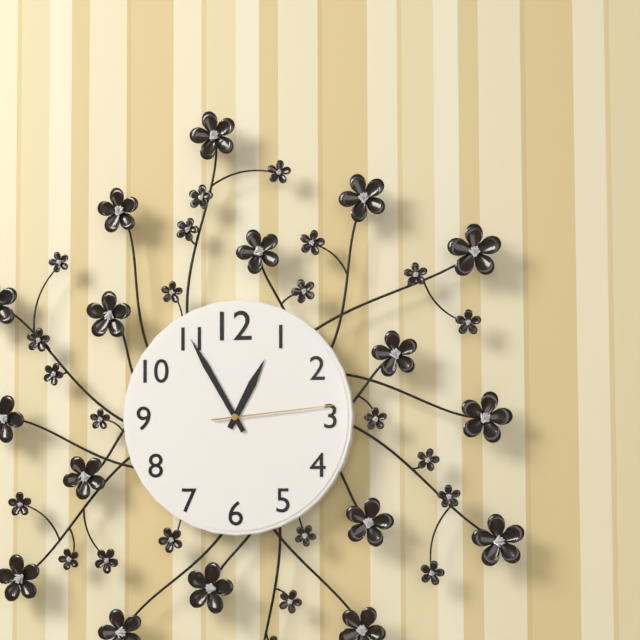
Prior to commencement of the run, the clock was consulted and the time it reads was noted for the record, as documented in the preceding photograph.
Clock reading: 12:55:14
